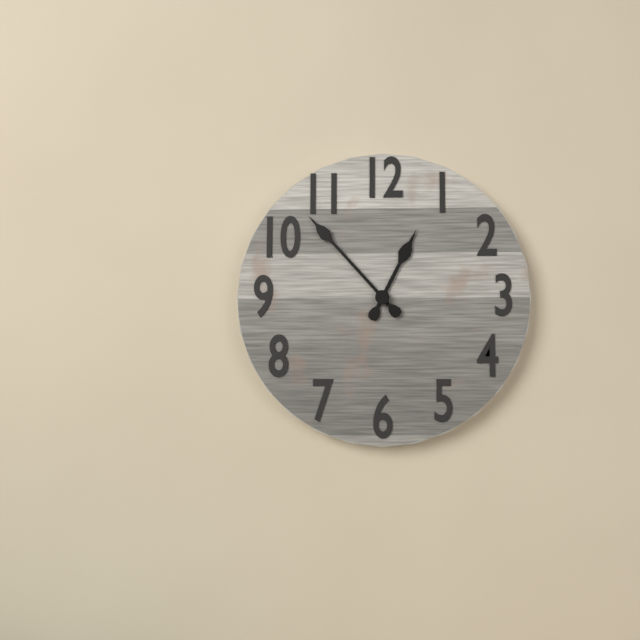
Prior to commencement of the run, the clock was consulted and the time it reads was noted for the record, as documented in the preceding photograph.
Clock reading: 12:53
